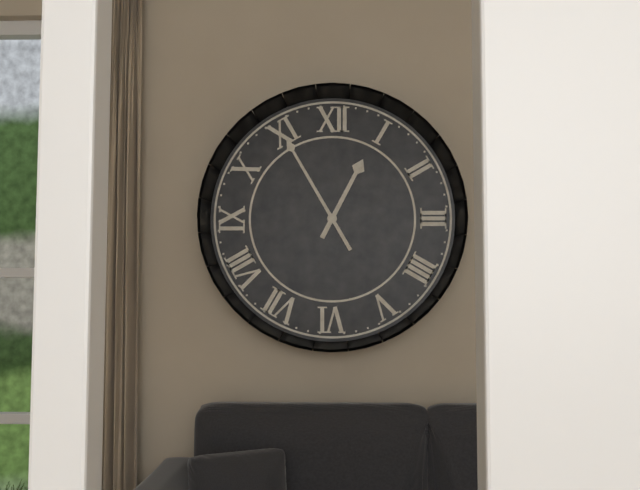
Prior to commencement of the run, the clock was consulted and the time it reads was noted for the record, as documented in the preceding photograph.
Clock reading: 12:55
